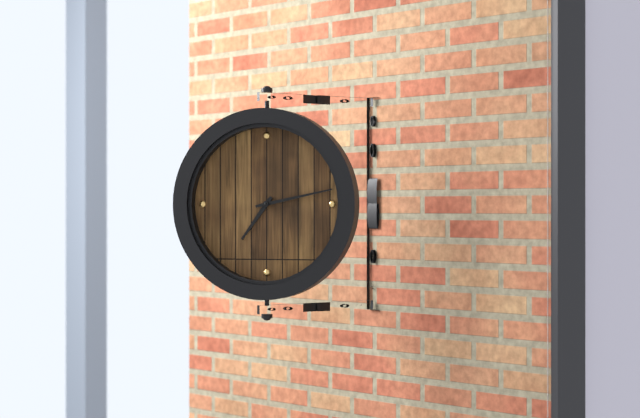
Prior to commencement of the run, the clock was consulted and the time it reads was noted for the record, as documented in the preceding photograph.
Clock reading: 7:13
